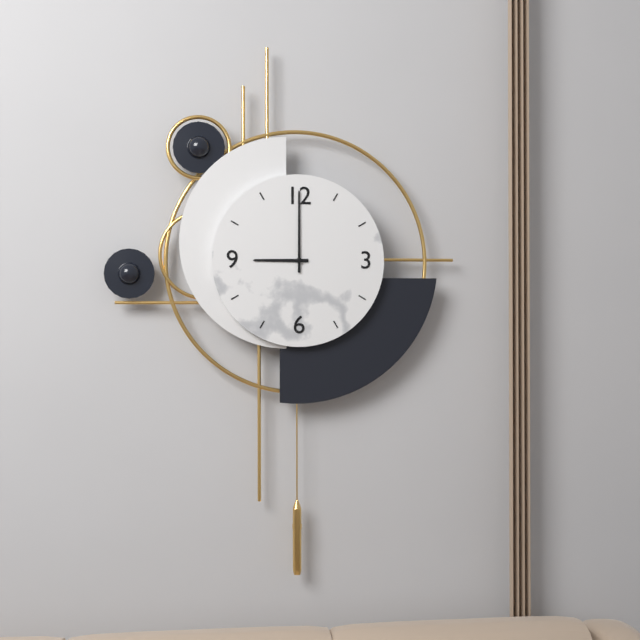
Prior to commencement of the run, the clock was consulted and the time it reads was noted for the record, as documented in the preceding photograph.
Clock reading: 9:00
